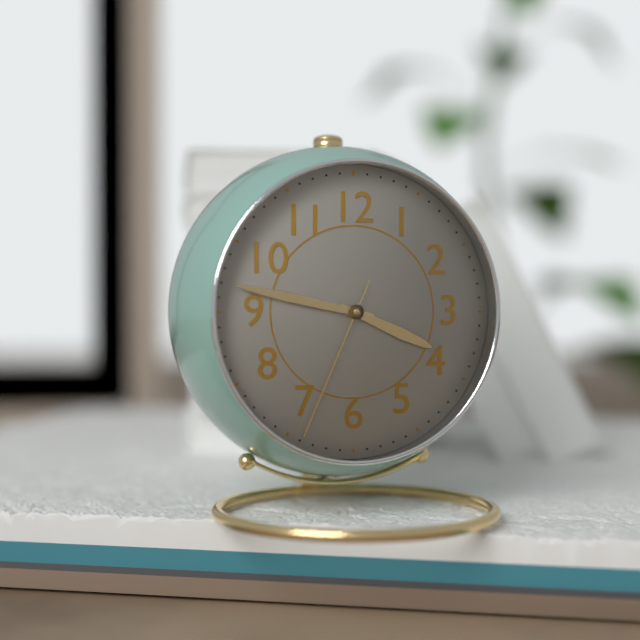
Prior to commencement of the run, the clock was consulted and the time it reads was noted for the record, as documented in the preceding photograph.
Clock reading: 3:47:34
